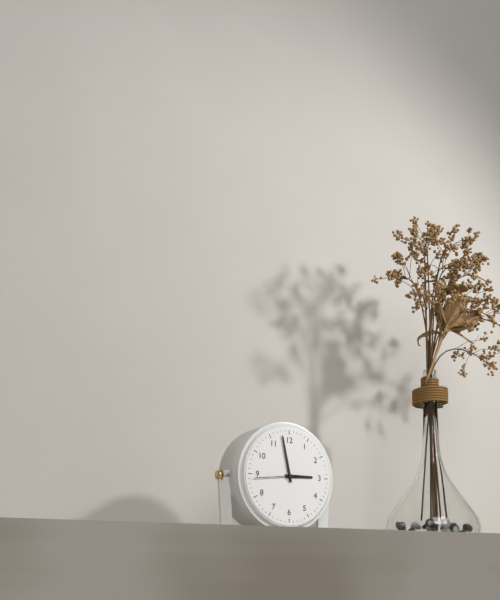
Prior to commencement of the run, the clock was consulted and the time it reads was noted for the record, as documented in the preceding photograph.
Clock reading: 2:58
